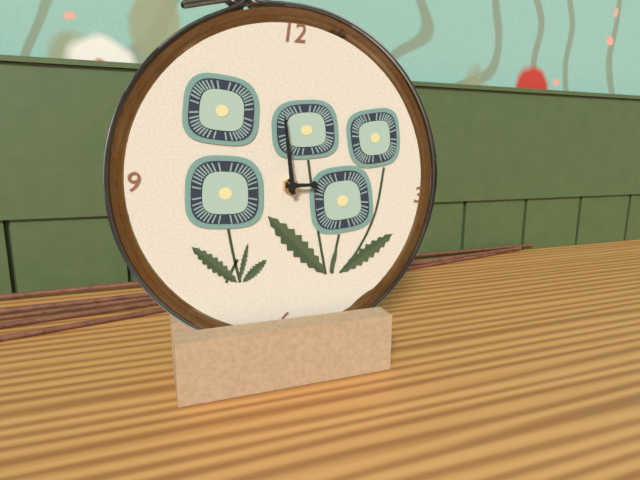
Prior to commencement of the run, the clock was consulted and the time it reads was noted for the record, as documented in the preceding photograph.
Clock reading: 2:59
